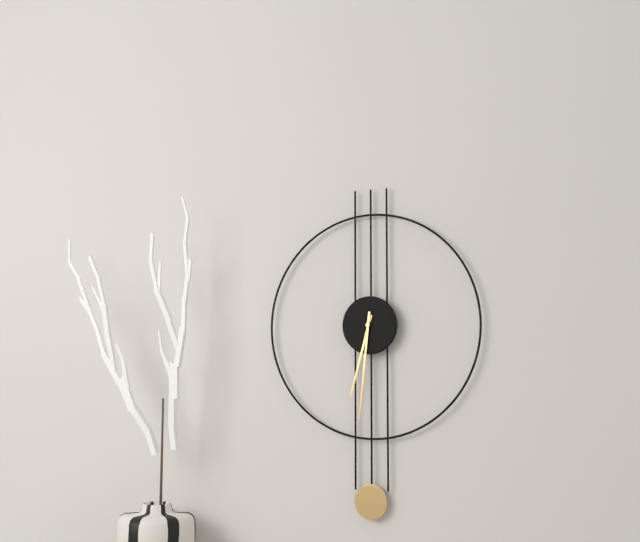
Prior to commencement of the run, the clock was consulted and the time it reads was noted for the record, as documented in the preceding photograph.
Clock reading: 6:31
